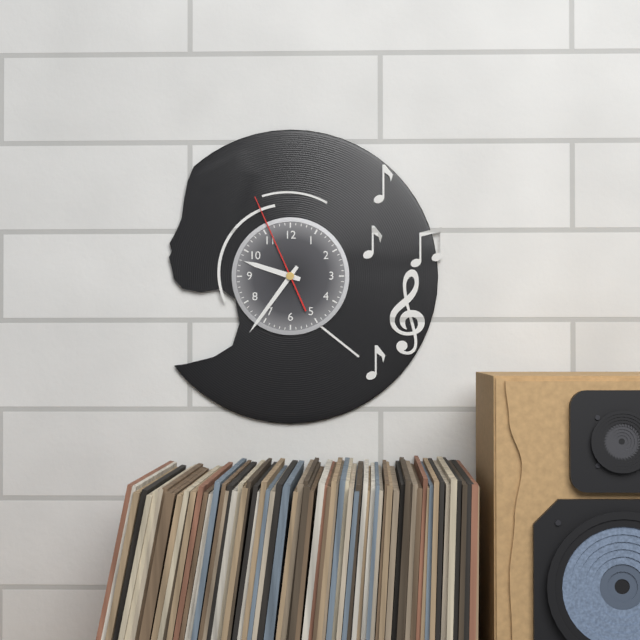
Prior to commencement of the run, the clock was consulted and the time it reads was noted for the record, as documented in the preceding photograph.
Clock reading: 9:36:56
